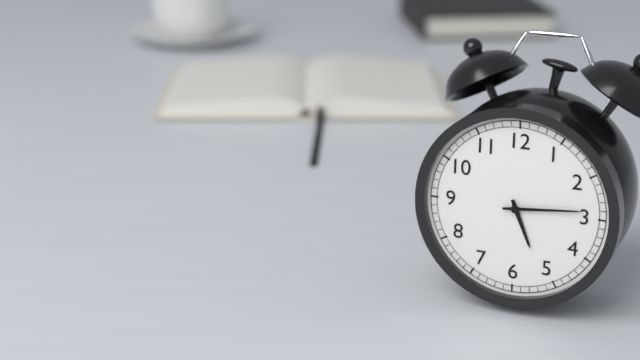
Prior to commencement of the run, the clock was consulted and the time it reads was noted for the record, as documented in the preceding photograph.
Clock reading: 5:14
